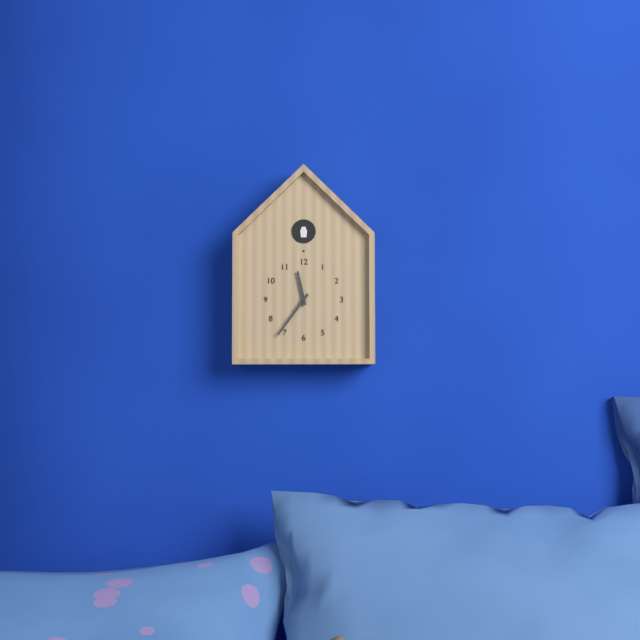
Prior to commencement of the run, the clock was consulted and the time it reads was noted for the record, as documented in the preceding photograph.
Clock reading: 11:36
